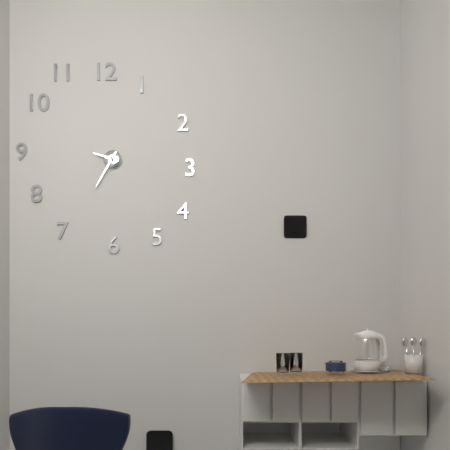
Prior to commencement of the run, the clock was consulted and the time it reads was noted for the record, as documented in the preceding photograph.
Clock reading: 9:35
